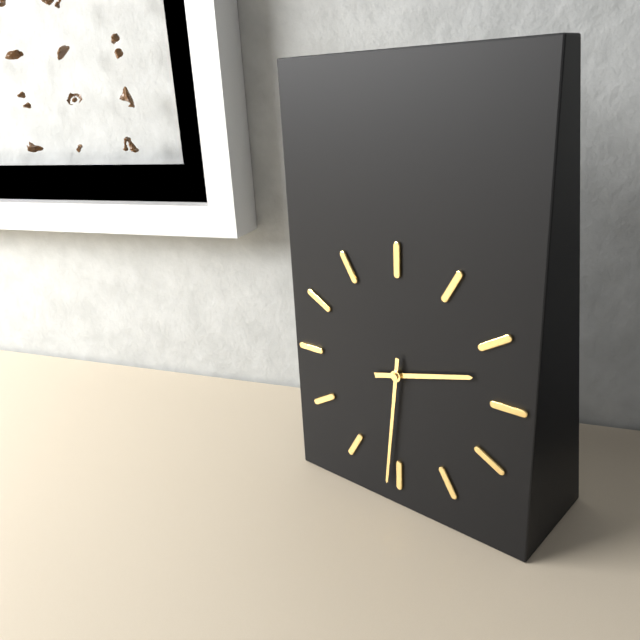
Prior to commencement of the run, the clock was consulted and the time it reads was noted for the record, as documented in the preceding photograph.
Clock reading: 2:31
